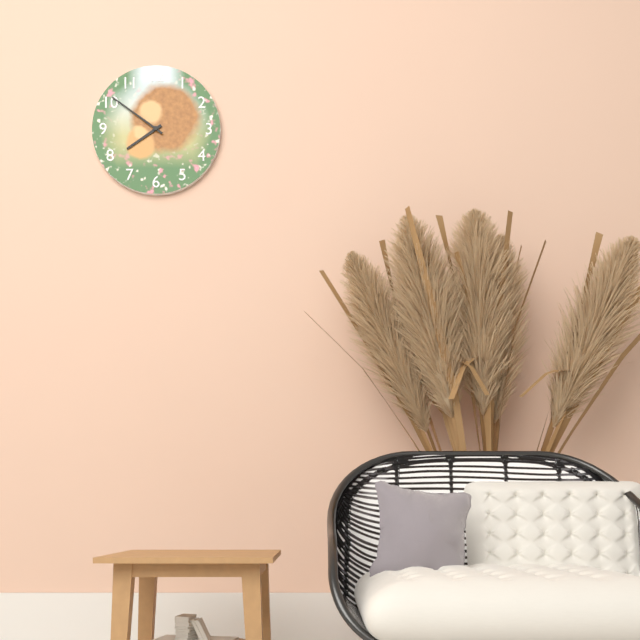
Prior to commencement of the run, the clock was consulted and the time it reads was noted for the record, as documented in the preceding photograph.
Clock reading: 7:51
